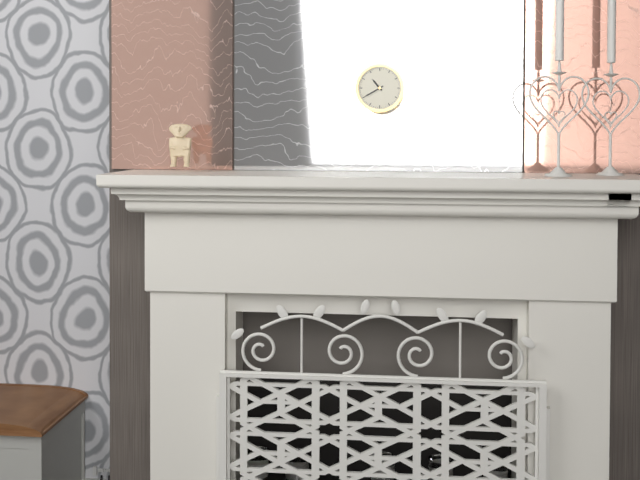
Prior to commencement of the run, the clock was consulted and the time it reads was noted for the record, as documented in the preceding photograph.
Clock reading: 10:40
